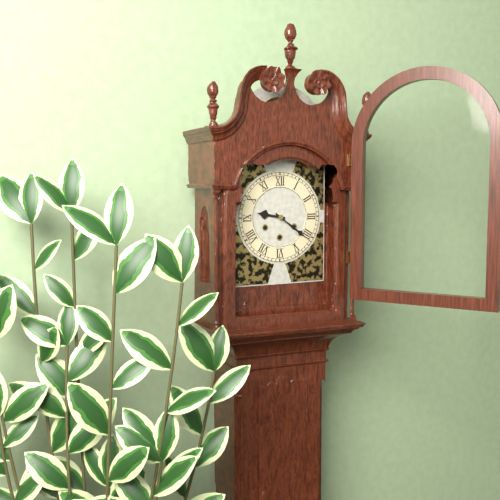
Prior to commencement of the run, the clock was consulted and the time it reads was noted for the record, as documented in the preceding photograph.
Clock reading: 9:21
